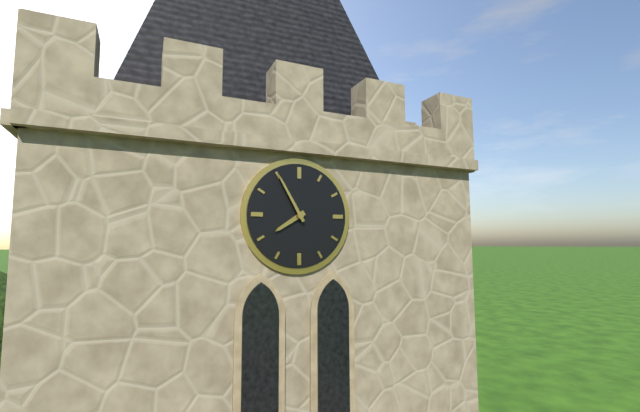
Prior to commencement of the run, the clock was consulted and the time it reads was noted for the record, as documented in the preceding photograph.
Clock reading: 7:55
